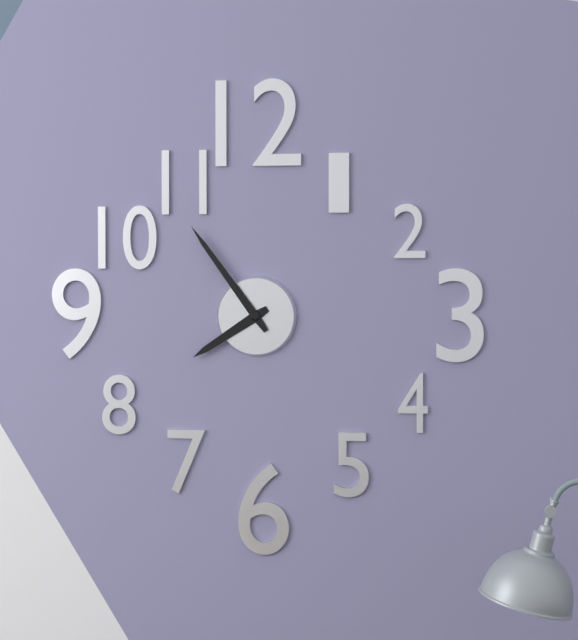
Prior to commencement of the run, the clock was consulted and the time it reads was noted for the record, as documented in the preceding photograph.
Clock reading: 7:54
